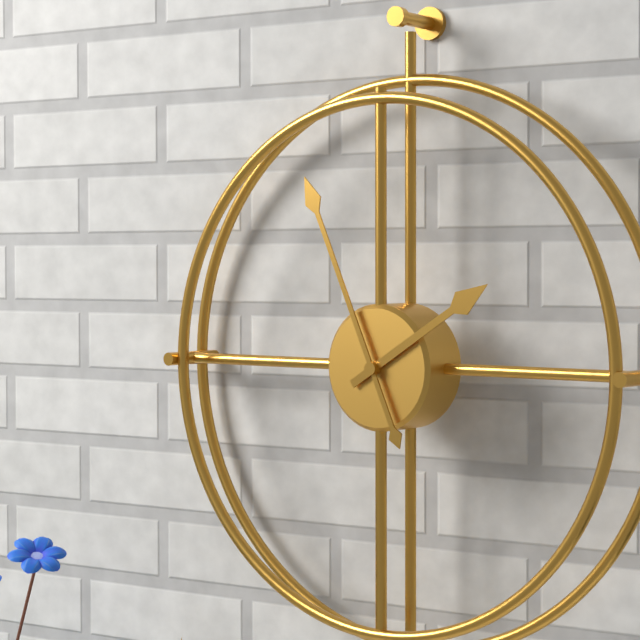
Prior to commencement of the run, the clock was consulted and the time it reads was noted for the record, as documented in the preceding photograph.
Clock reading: 1:56
